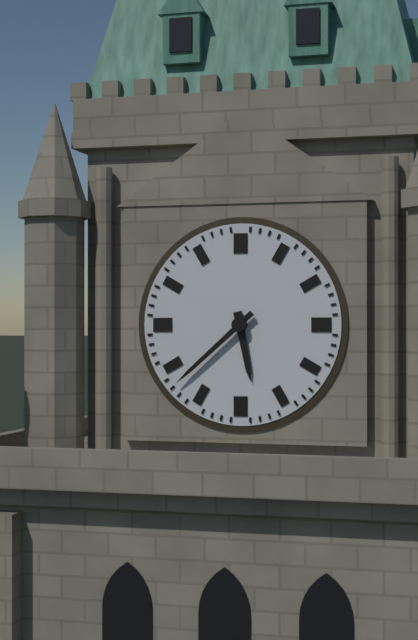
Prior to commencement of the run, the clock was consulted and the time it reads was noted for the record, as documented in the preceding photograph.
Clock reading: 5:38
